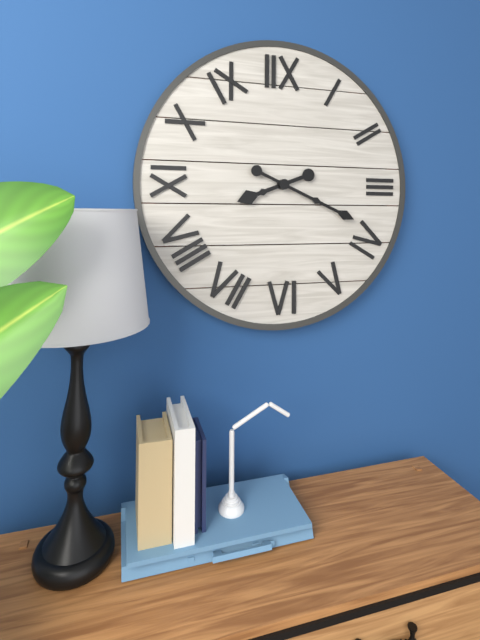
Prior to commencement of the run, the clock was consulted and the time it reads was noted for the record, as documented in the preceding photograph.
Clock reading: 8:19
